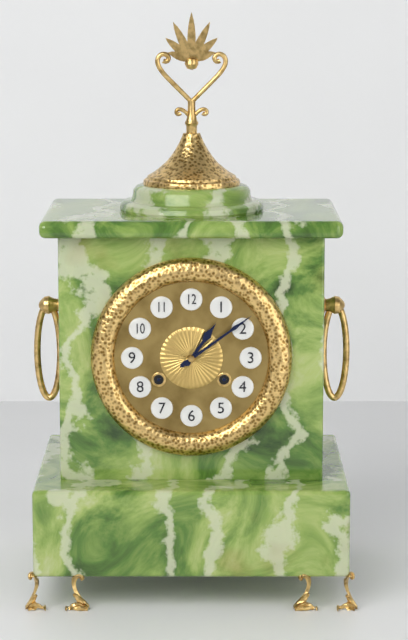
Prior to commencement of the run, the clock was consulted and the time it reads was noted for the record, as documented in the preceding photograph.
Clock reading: 1:09
